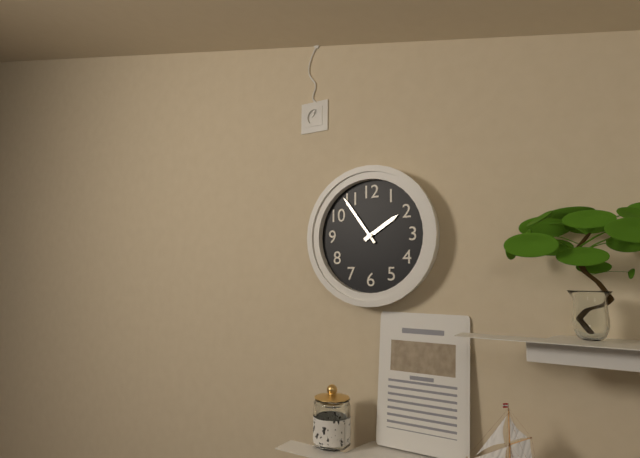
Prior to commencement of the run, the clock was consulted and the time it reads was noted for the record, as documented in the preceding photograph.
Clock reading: 1:54
